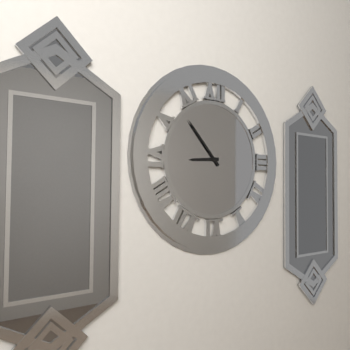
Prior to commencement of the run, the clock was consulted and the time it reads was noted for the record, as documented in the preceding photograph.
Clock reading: 8:53
